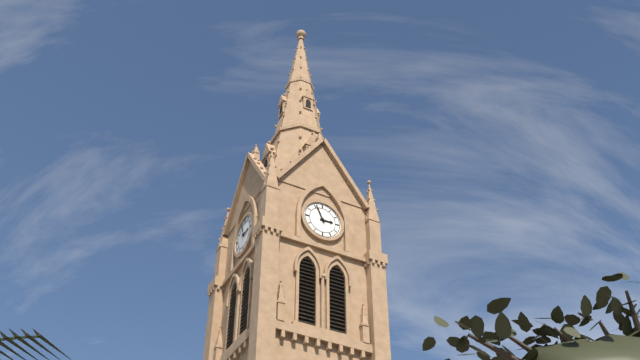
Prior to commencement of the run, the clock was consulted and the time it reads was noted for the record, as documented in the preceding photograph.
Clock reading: 2:56
